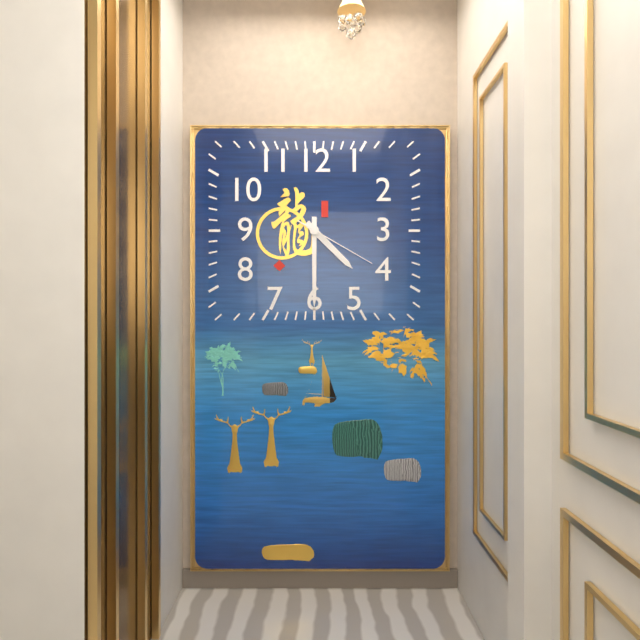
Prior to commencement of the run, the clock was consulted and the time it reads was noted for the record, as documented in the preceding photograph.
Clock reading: 4:30:20
